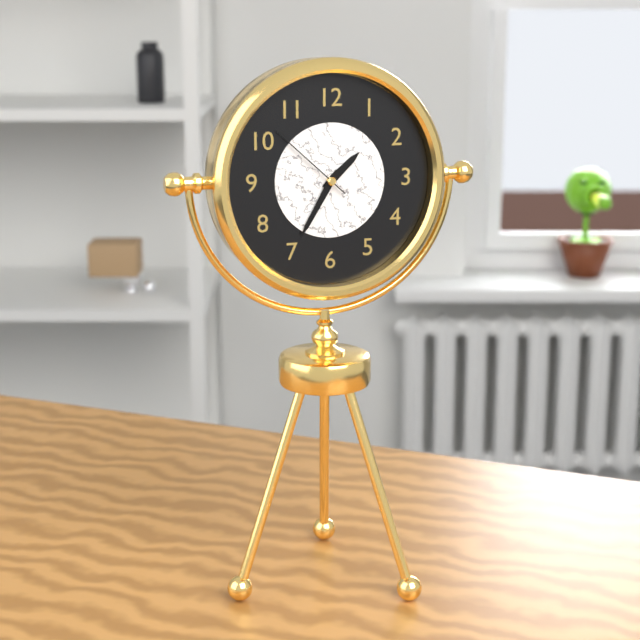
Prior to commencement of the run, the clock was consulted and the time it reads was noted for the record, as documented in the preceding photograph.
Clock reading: 1:35:52
